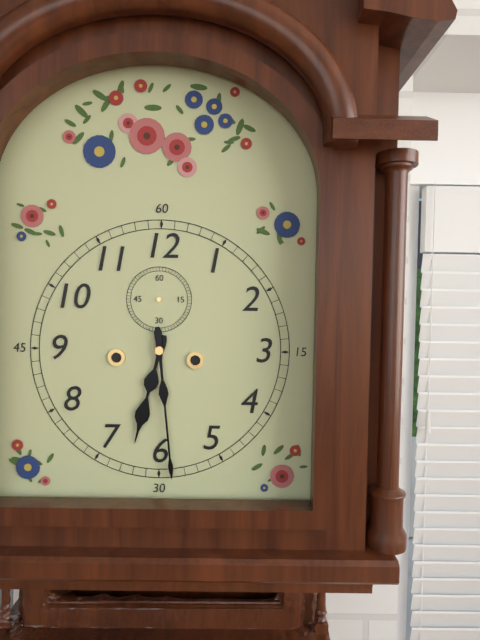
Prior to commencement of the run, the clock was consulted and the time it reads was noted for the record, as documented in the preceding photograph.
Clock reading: 6:29
